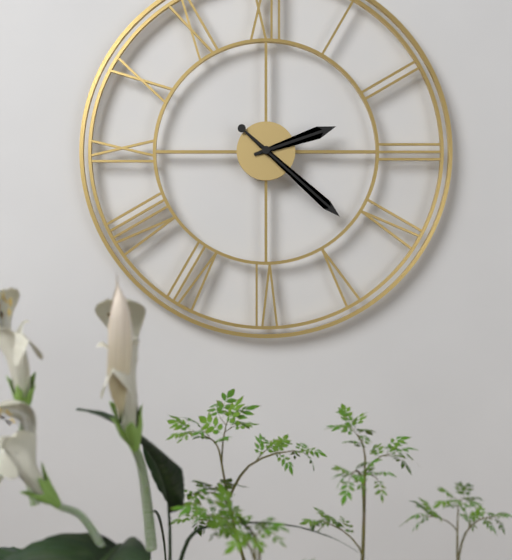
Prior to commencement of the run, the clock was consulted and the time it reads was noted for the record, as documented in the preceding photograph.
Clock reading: 2:22
